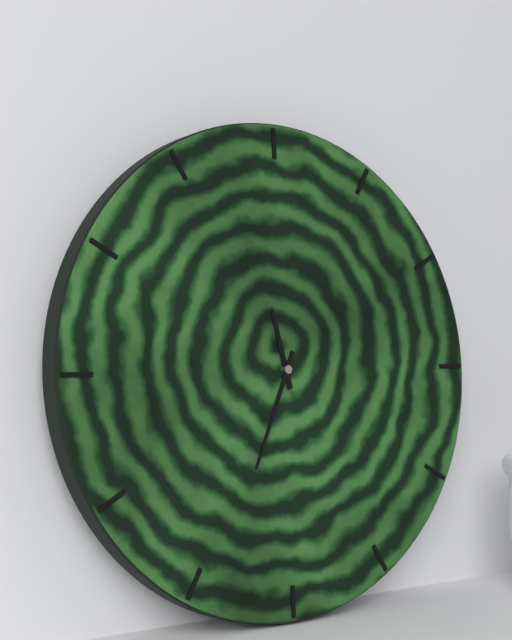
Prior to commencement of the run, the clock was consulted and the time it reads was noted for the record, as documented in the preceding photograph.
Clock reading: 11:34
